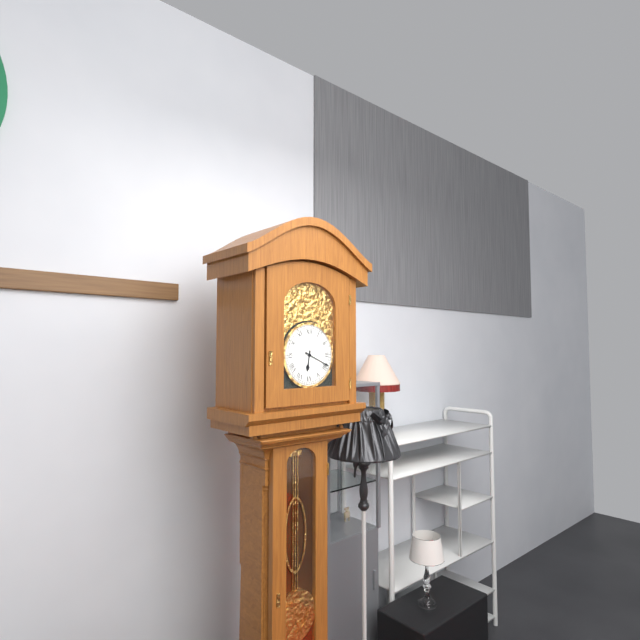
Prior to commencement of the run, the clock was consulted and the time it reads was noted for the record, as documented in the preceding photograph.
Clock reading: 6:19
